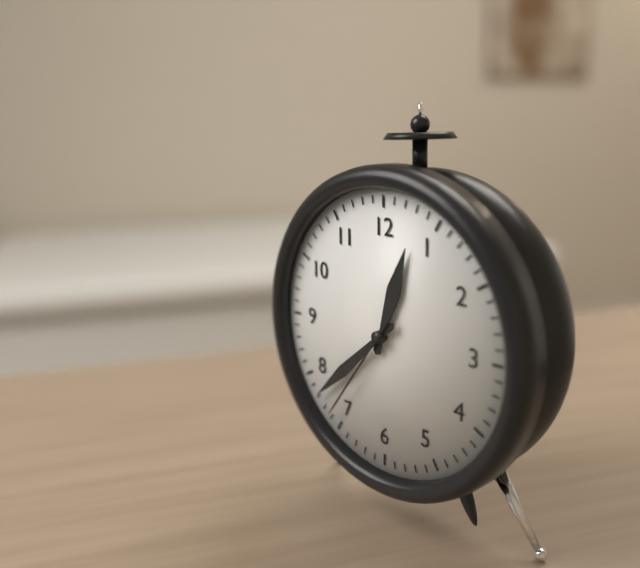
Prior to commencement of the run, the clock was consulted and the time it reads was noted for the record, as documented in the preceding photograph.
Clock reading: 12:38:36
